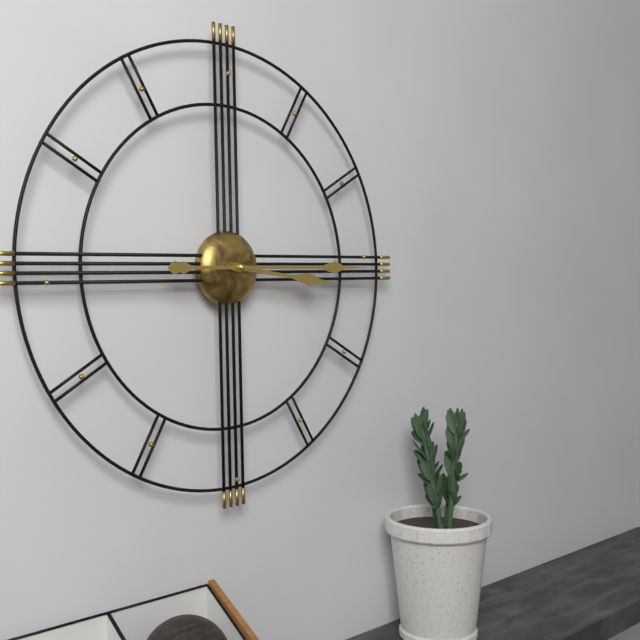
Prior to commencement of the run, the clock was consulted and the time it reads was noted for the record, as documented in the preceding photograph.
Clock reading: 3:15
